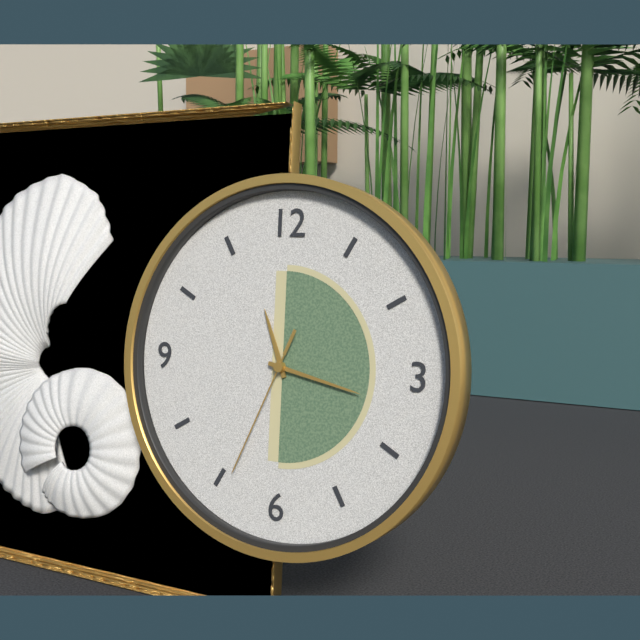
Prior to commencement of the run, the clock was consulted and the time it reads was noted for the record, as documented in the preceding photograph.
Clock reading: 11:17:34
